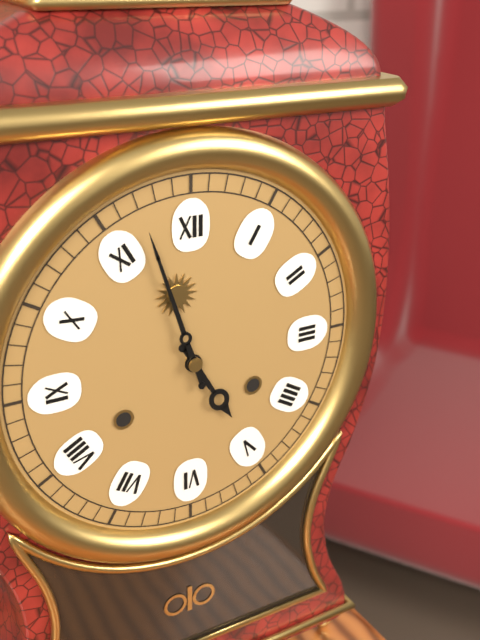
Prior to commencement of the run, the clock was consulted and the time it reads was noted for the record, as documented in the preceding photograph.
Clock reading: 4:57
